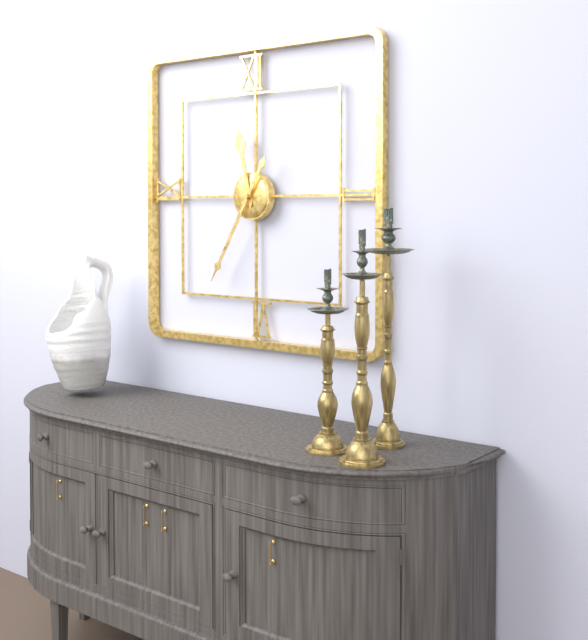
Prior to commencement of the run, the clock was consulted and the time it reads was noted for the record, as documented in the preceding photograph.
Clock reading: 11:35
